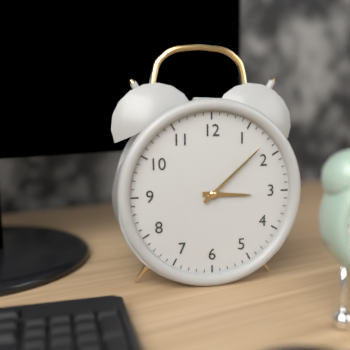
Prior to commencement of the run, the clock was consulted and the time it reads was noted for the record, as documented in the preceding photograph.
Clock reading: 3:08
